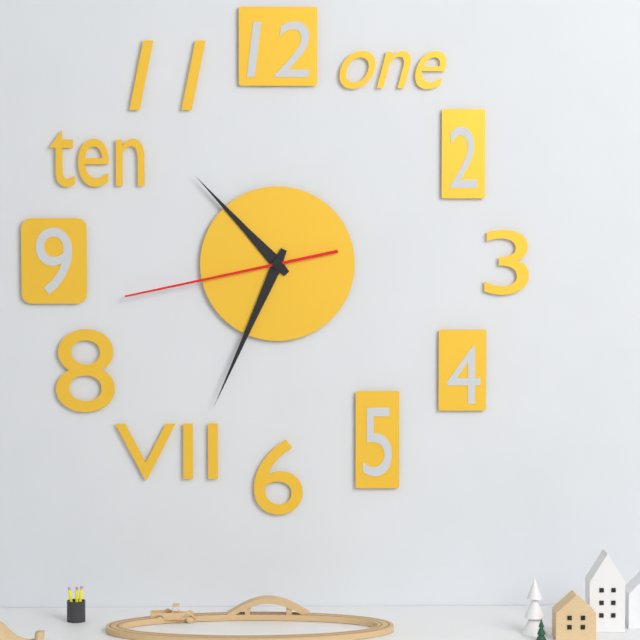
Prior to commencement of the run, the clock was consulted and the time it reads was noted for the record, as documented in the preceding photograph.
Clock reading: 10:34:43
